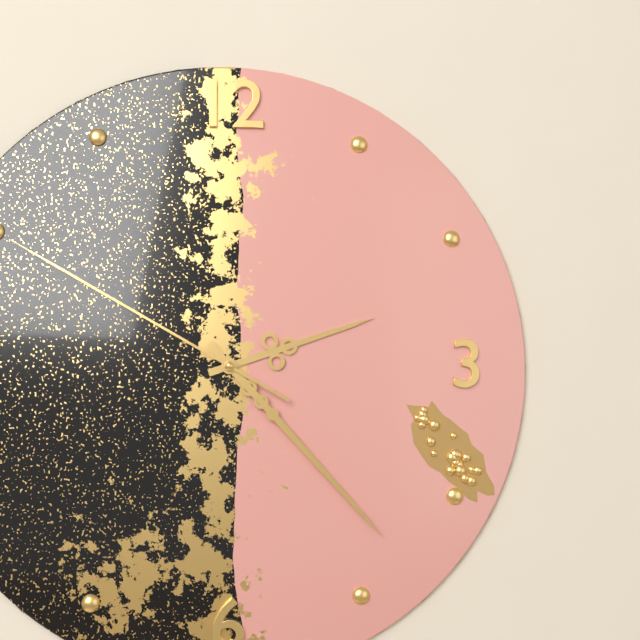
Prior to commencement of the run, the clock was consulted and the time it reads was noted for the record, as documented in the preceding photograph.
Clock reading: 2:23:50
